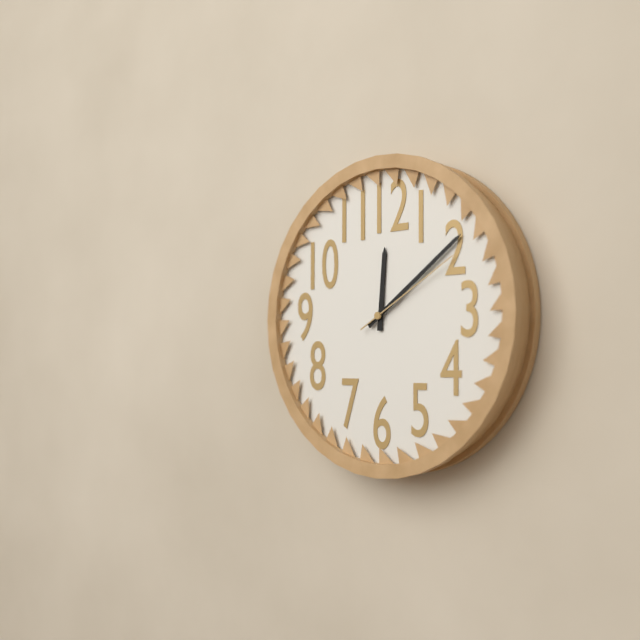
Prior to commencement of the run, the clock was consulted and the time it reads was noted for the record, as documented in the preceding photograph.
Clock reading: 12:09:10
